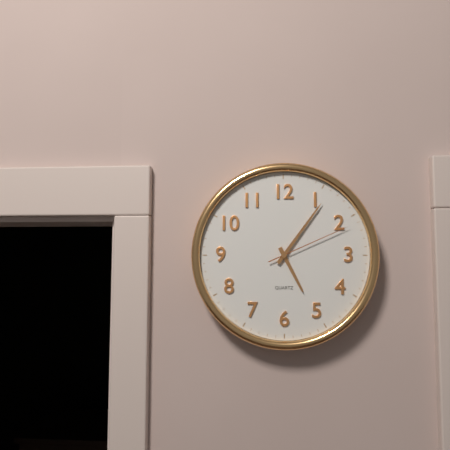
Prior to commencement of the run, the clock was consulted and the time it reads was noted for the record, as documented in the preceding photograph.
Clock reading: 5:06:11
